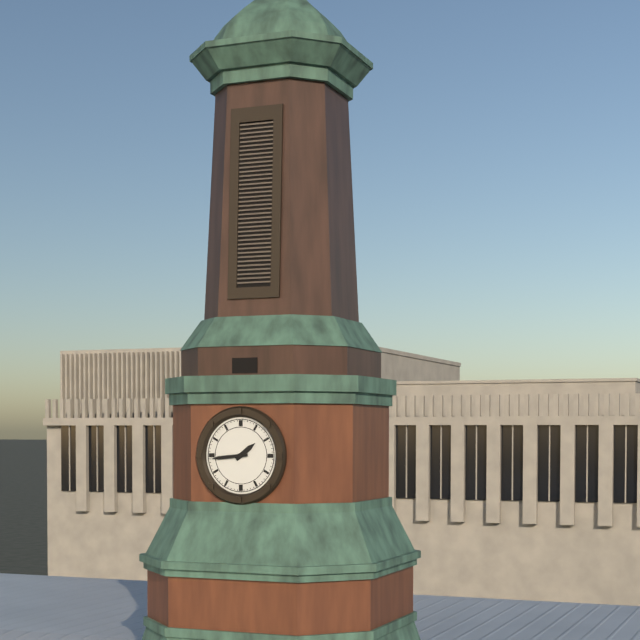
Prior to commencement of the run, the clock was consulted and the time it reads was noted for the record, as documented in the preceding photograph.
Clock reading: 1:44
